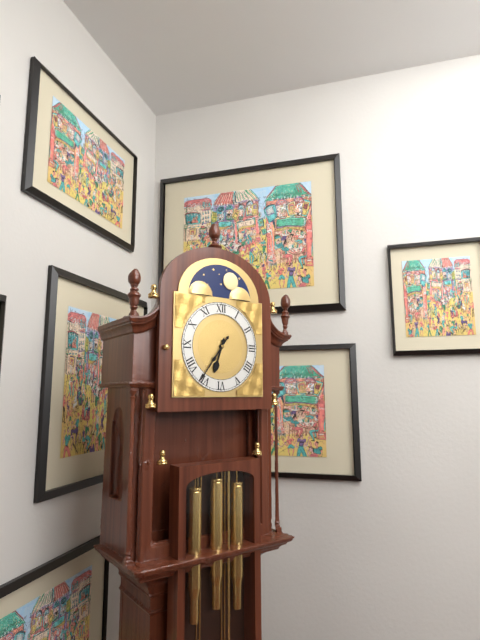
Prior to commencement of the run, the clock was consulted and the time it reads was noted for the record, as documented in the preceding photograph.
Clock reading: 6:36
